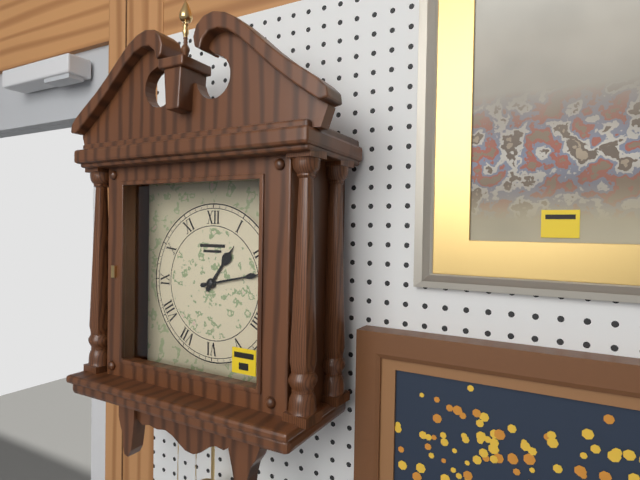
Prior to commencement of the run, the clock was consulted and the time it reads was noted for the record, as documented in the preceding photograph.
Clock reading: 1:13
